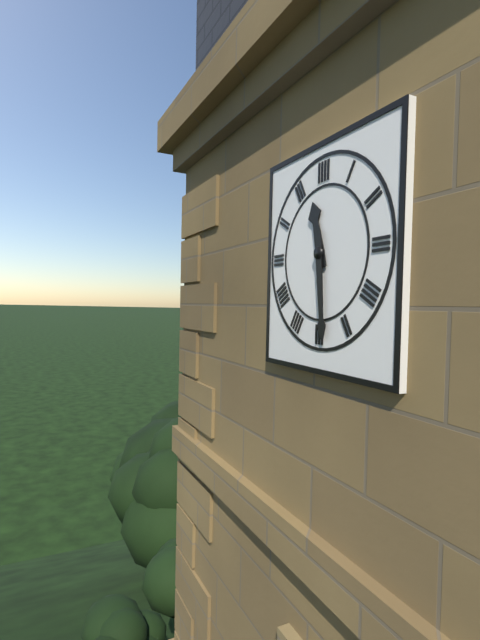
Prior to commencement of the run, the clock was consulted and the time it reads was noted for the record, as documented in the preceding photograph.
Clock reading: 11:29
